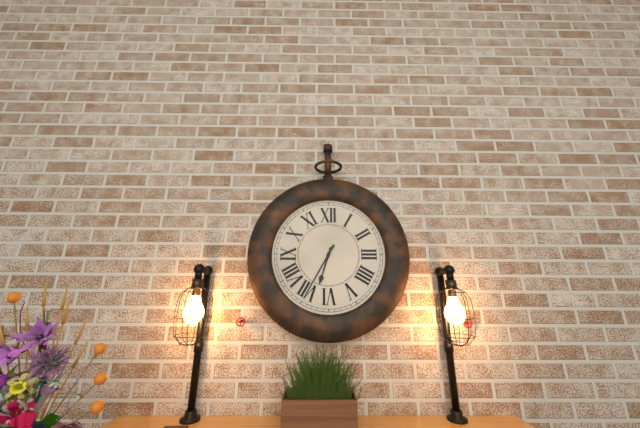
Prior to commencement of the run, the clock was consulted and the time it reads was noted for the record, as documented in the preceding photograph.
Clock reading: 6:35
